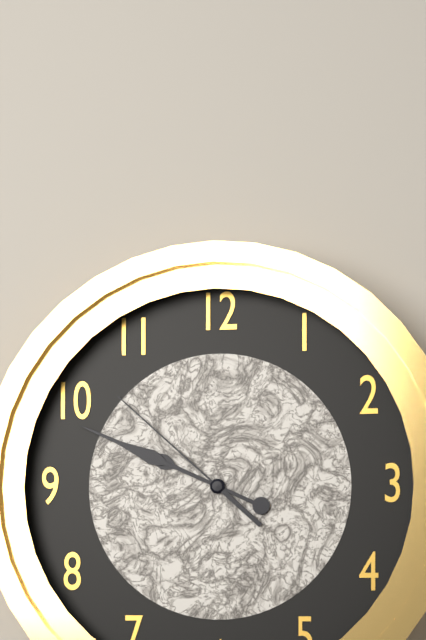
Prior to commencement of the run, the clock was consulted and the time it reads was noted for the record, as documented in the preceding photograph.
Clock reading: 9:49:52
